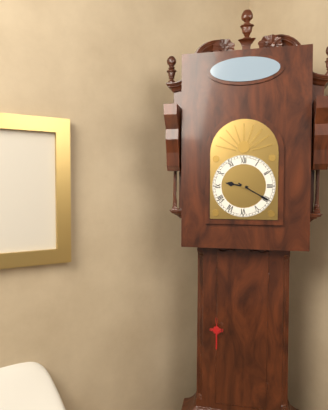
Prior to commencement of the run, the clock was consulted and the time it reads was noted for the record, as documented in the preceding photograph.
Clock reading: 9:20
